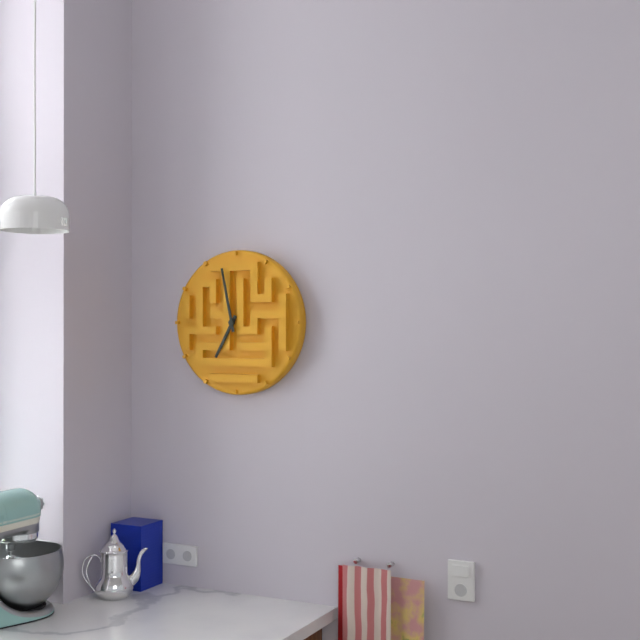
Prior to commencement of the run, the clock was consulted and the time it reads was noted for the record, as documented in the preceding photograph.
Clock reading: 6:58
